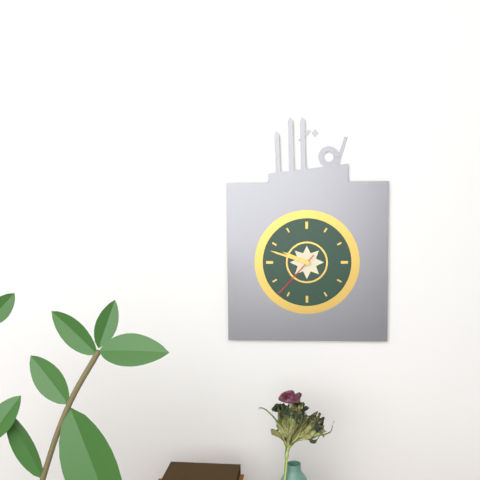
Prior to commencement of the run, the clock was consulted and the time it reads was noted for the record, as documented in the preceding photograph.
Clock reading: 9:48:37
